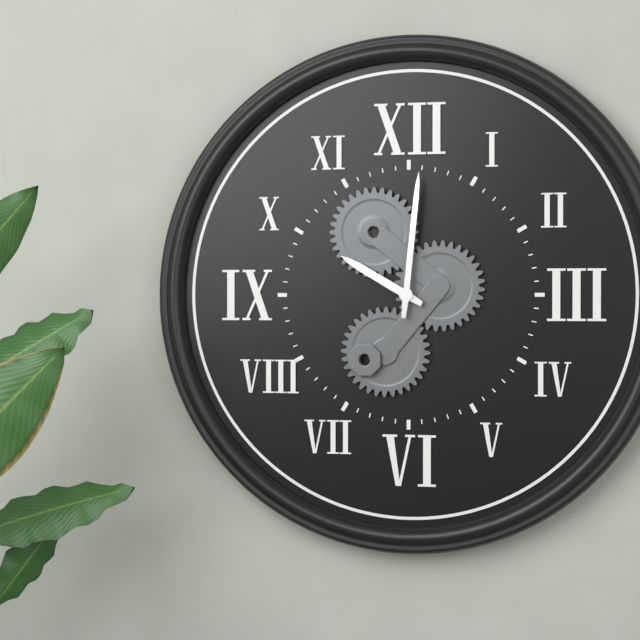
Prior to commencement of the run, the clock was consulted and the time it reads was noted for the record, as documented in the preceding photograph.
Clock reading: 10:01
